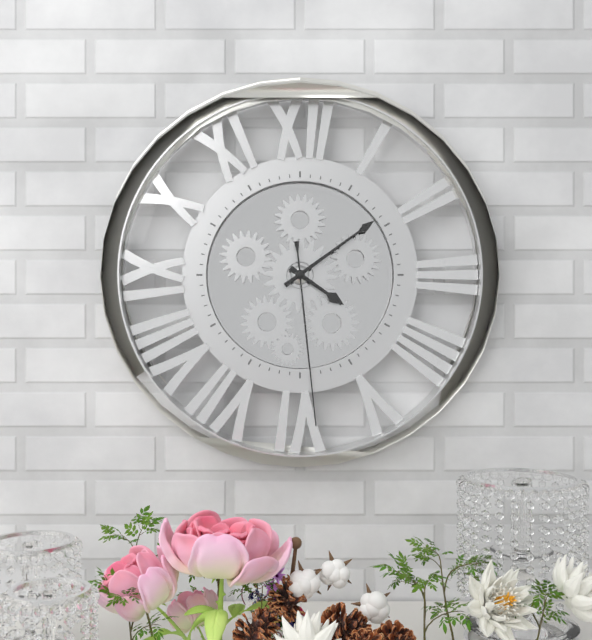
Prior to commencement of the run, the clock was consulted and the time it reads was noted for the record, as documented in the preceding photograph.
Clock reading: 4:09:29
